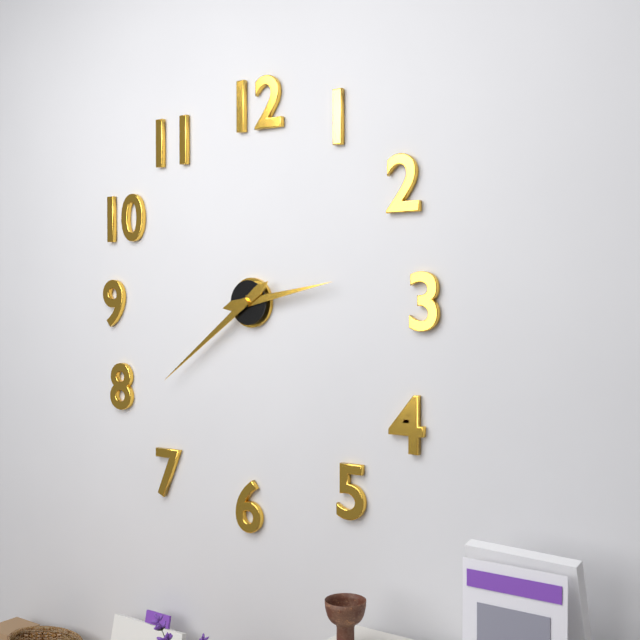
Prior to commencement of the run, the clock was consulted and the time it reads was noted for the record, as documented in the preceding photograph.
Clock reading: 2:39
